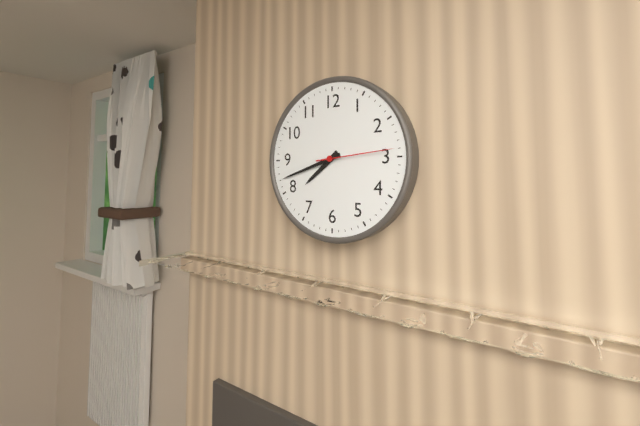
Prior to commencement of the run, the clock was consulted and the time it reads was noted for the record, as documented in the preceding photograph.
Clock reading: 7:42:14
